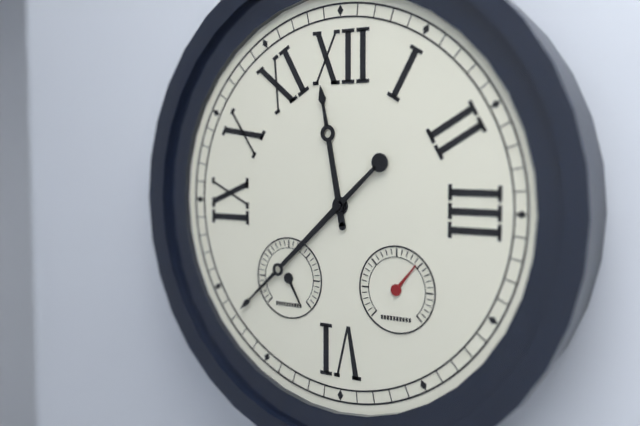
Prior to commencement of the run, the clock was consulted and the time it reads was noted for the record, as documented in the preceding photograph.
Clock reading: 11:38
